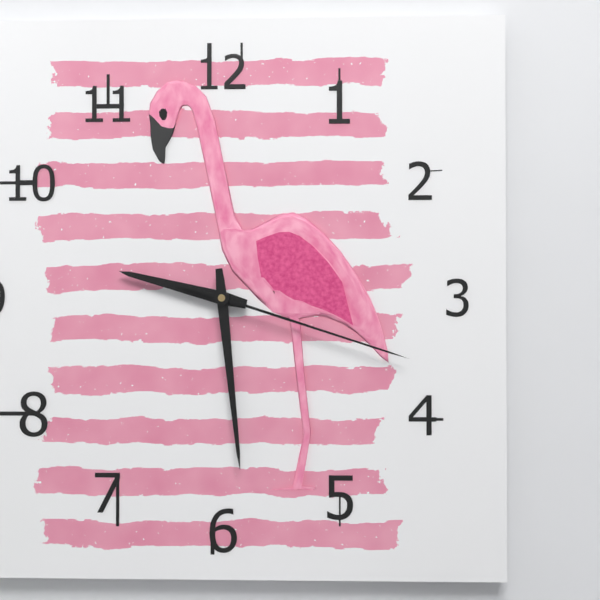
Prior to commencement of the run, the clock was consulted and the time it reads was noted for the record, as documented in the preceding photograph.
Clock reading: 9:29:18
